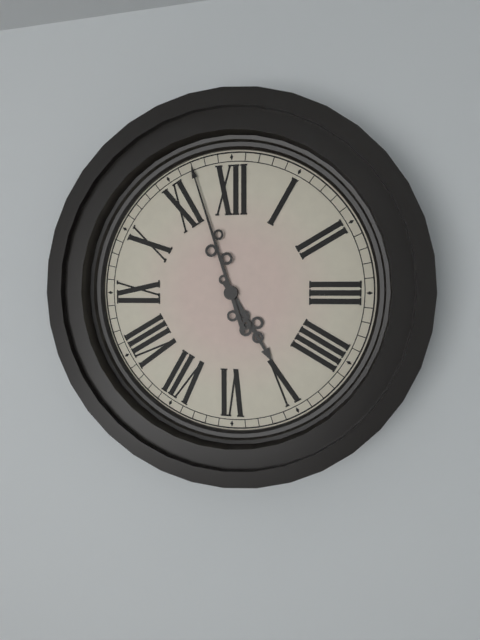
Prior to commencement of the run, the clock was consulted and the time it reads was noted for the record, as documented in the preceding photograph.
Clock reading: 4:57
